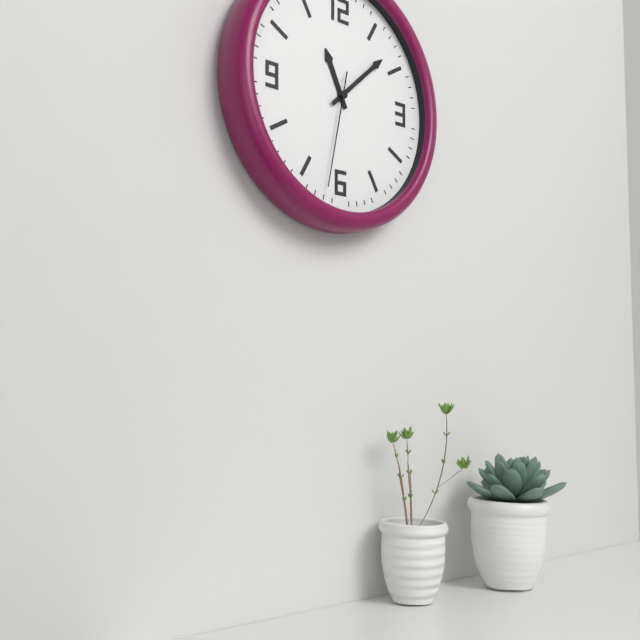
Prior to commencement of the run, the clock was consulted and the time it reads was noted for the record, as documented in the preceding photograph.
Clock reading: 11:08:32
